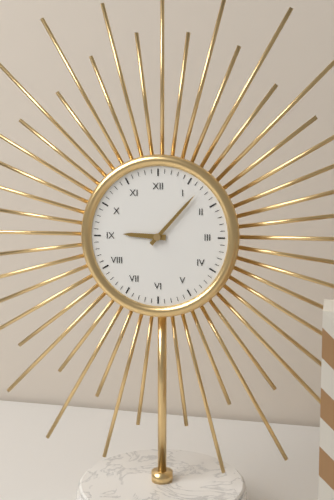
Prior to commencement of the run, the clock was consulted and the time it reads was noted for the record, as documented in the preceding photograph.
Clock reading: 9:07
